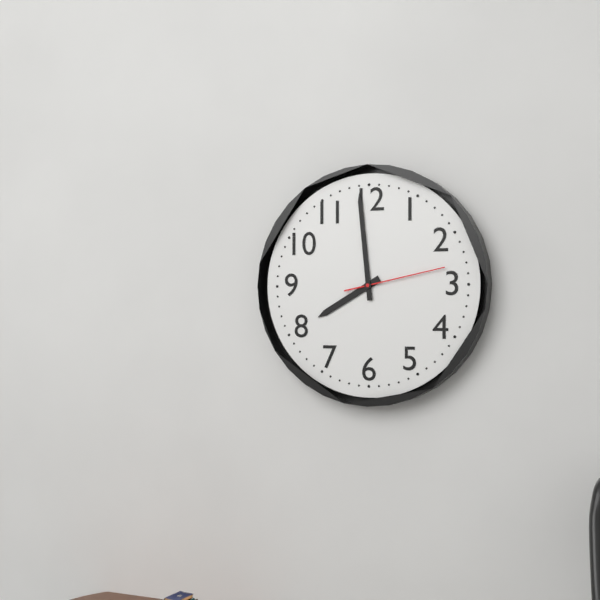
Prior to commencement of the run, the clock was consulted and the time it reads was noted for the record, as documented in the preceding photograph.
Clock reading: 7:59:13
